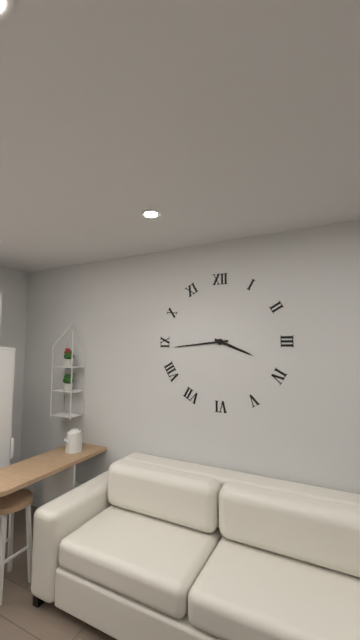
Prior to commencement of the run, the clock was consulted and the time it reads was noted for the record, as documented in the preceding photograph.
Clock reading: 3:44
